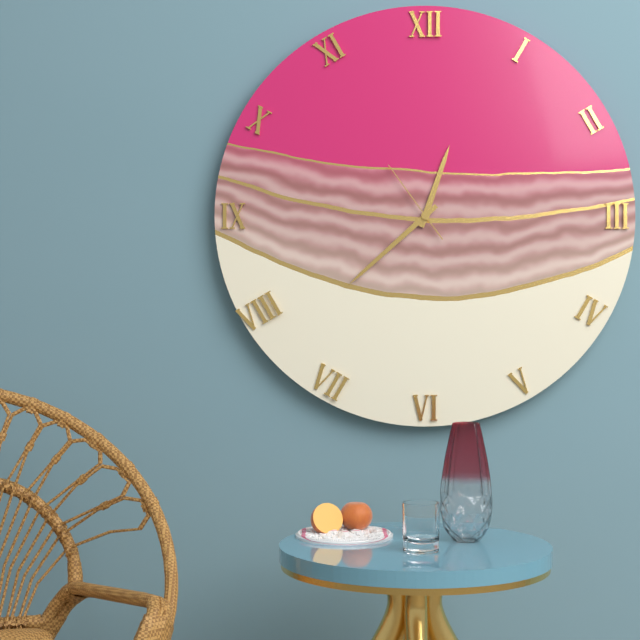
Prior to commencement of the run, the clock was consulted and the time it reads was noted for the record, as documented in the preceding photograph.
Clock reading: 12:38:54
